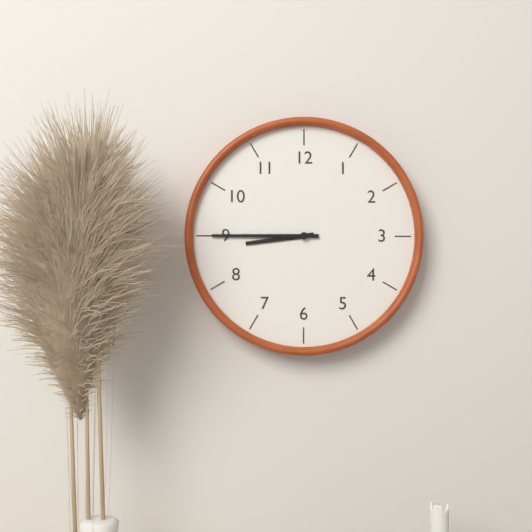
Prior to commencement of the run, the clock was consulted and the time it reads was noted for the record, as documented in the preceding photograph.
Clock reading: 8:45
